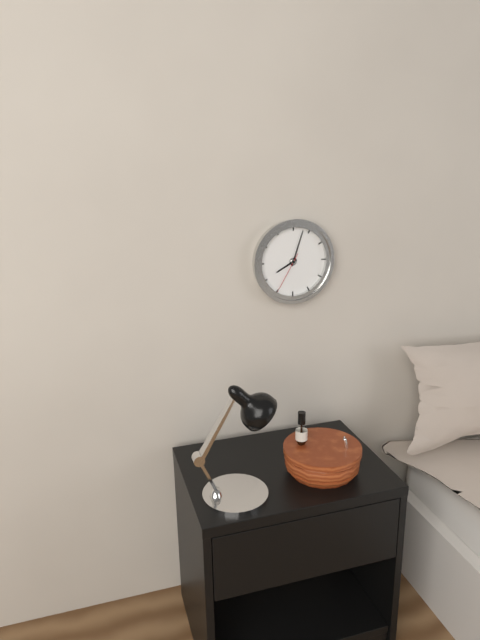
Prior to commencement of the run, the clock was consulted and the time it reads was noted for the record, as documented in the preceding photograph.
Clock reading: 8:03
